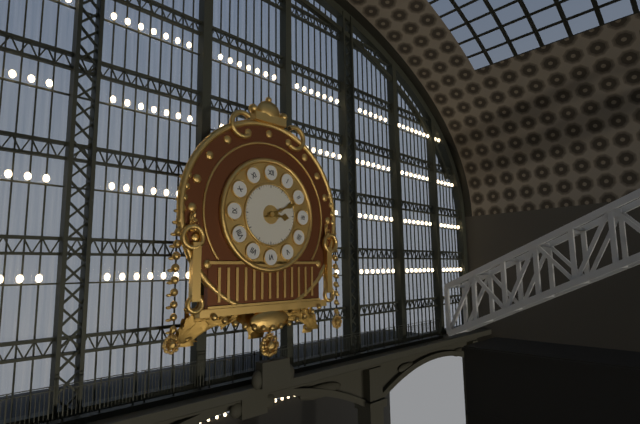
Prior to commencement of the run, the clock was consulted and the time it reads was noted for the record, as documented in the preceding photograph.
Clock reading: 3:11
